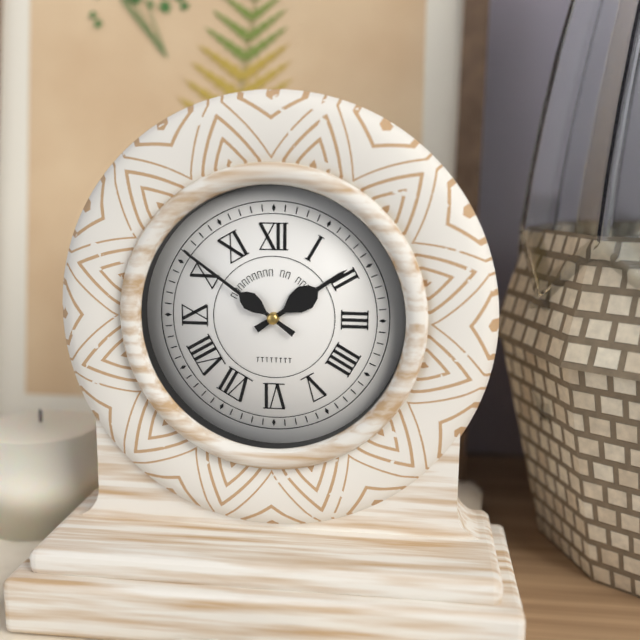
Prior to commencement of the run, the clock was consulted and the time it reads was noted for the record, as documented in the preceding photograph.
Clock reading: 1:51
